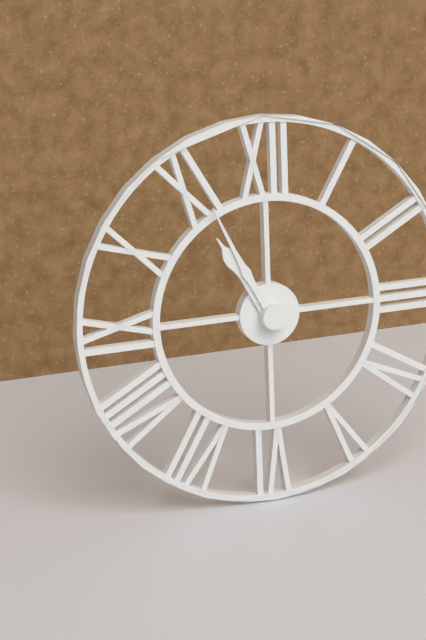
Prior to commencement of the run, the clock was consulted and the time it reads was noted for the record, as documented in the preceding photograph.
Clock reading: 10:55
